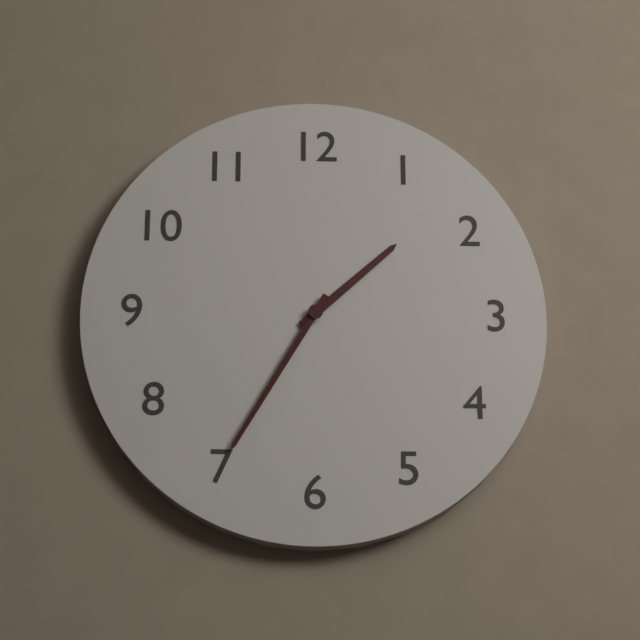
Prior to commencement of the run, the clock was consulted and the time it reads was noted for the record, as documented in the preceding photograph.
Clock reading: 1:35
